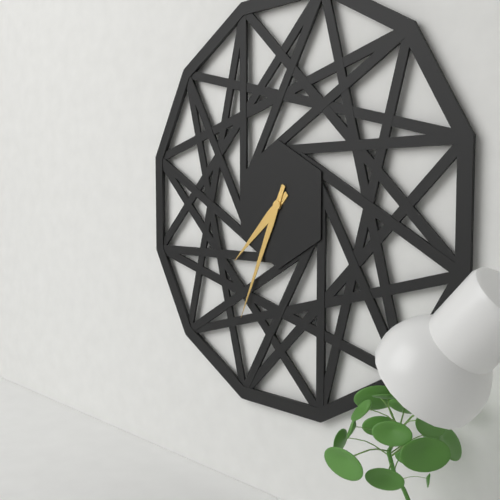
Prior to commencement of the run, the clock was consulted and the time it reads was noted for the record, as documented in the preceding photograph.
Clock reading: 7:34
